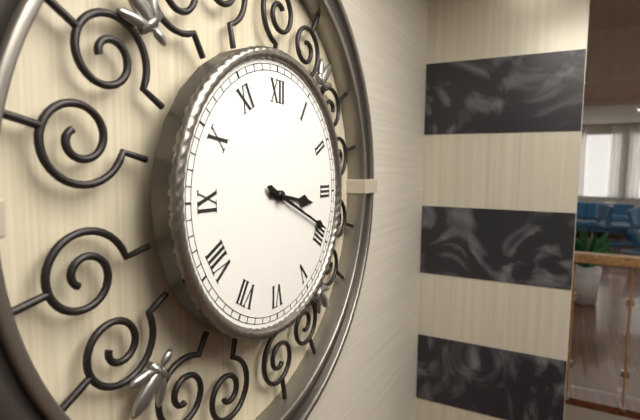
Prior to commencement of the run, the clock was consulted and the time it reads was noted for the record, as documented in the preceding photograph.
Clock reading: 3:19
